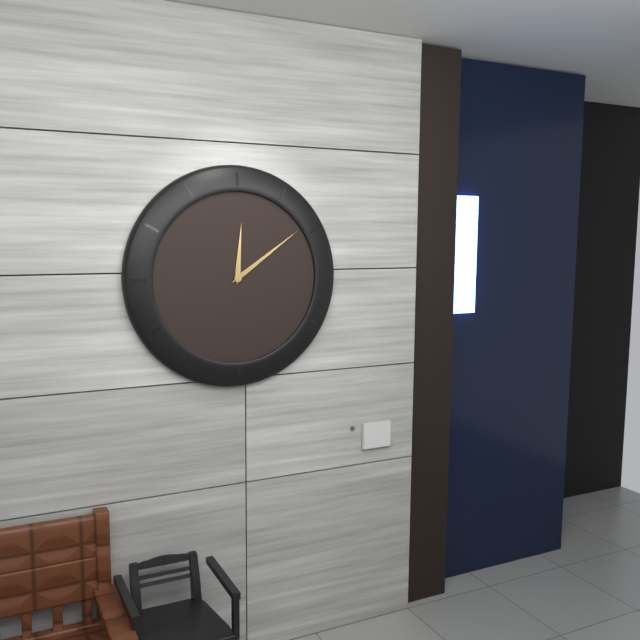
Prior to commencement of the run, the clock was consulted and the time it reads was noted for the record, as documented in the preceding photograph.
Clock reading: 12:09
